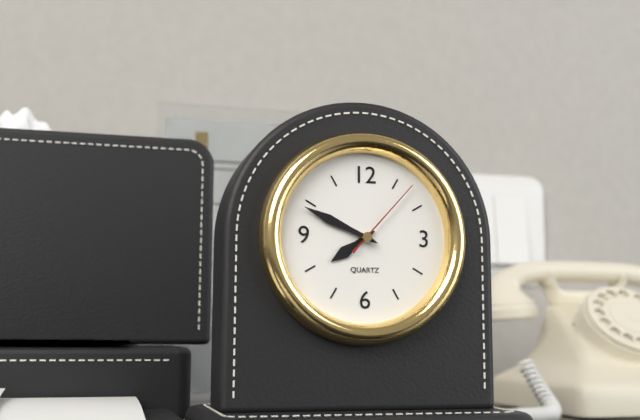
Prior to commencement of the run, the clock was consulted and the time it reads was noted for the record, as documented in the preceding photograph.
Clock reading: 7:49:07
